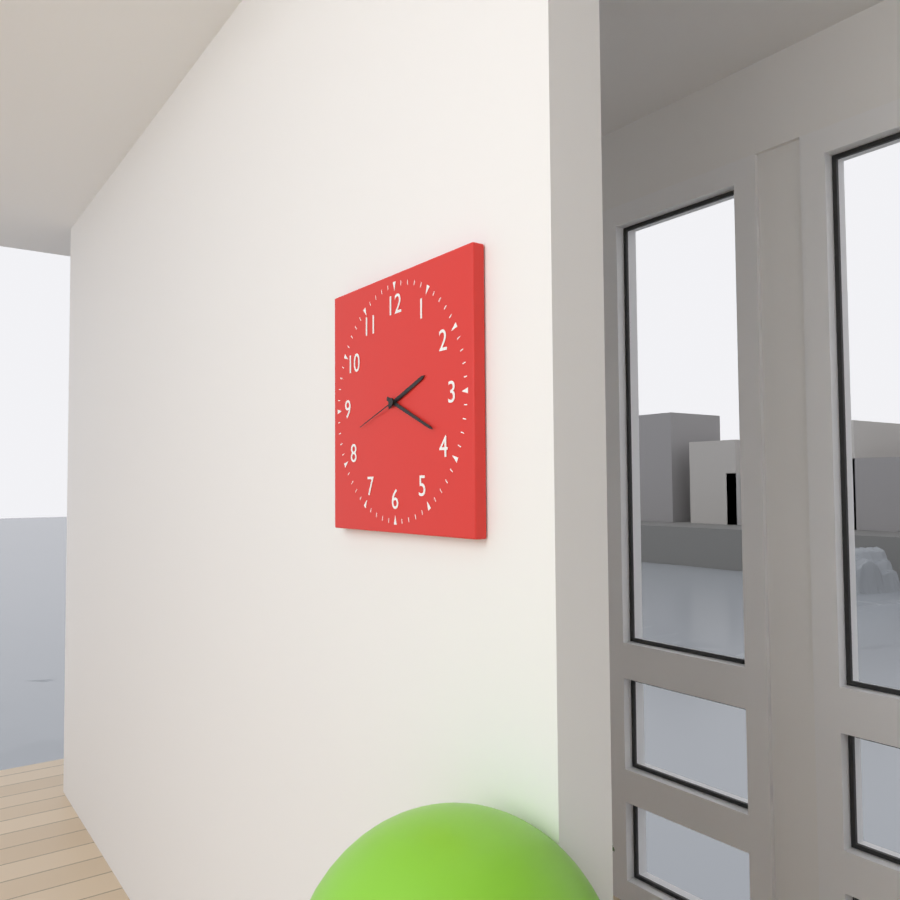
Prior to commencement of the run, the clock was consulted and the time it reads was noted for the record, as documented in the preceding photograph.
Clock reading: 2:19:42
